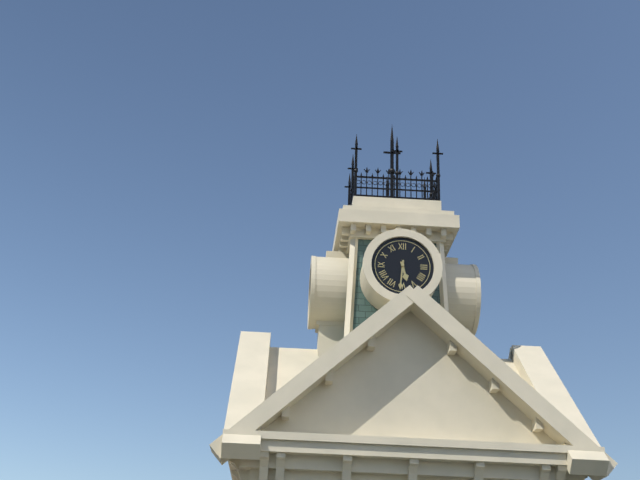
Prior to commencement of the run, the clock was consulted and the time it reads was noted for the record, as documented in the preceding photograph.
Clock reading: 5:31
